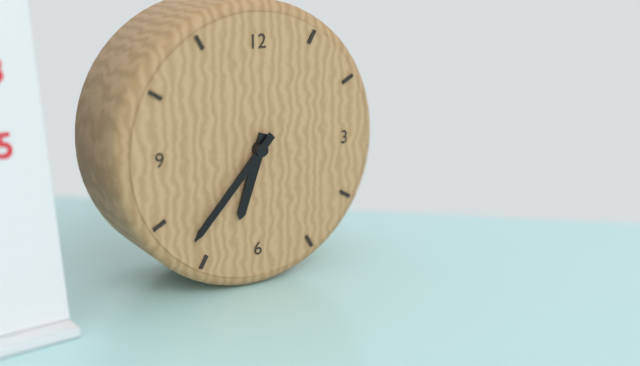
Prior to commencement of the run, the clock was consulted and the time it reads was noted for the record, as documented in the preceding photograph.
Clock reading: 6:37
